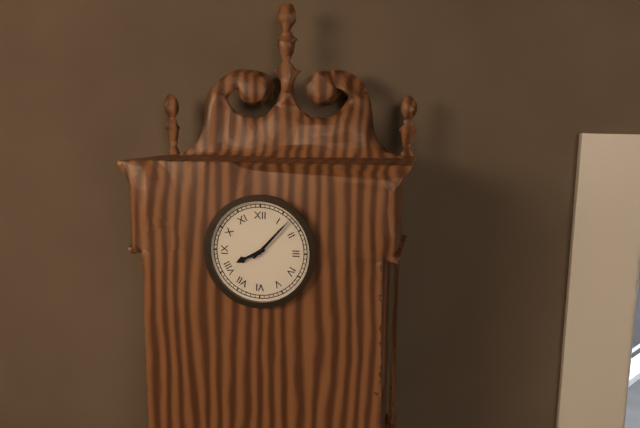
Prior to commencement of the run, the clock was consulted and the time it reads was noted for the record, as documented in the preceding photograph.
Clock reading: 8:07
